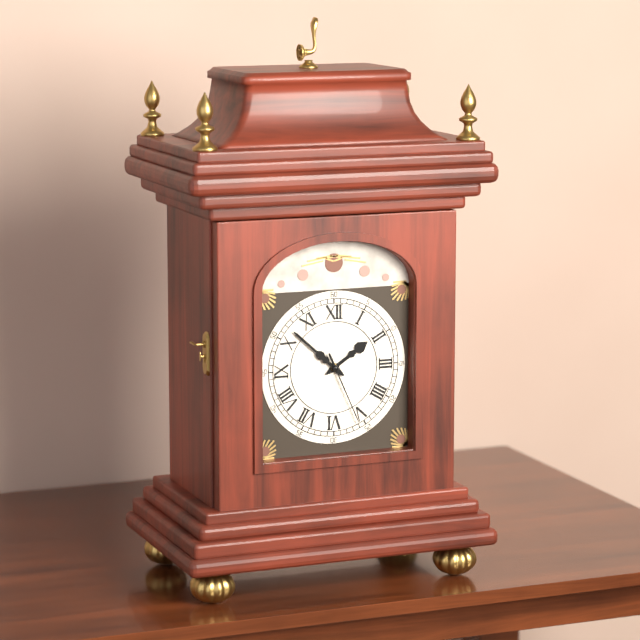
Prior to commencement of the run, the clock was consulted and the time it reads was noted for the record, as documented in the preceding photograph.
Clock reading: 1:52:26
